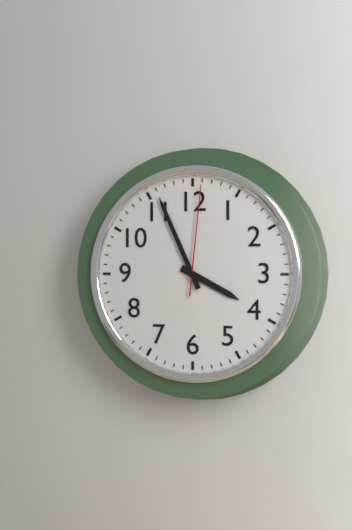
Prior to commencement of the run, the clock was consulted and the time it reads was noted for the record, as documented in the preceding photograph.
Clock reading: 3:56:01
